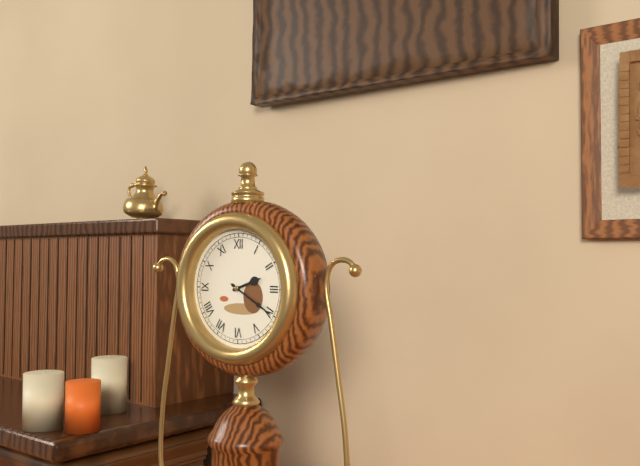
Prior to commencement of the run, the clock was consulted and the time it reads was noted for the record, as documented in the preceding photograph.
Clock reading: 2:20
